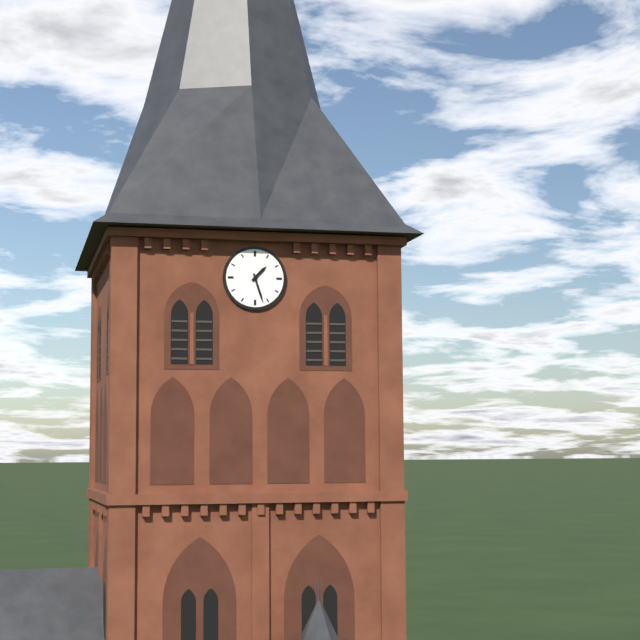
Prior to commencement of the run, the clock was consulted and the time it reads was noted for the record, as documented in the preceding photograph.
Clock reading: 1:27
